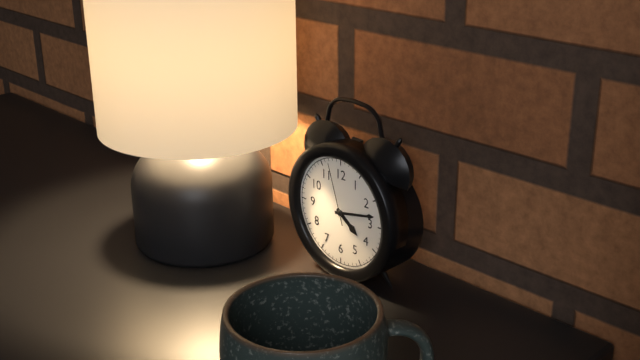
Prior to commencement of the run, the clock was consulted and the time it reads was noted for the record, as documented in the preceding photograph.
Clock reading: 4:13:57
